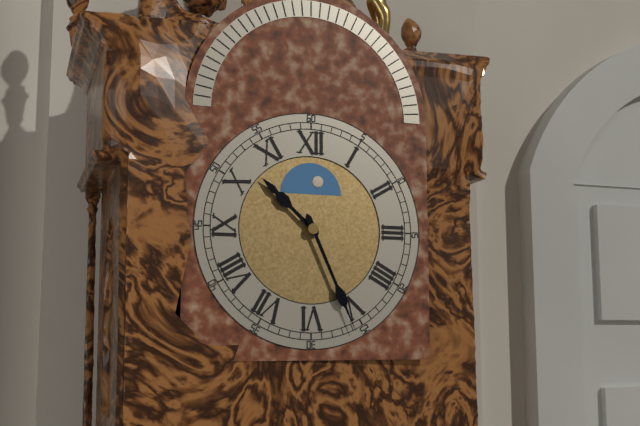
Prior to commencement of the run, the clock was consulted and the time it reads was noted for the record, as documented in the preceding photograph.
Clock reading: 10:26
